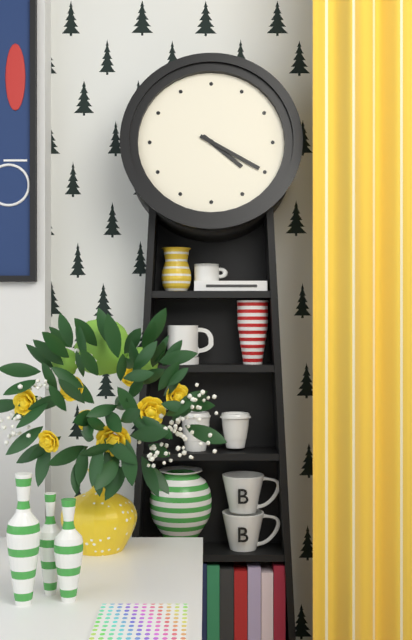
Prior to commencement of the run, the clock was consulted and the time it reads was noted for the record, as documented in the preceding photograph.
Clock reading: 4:20
